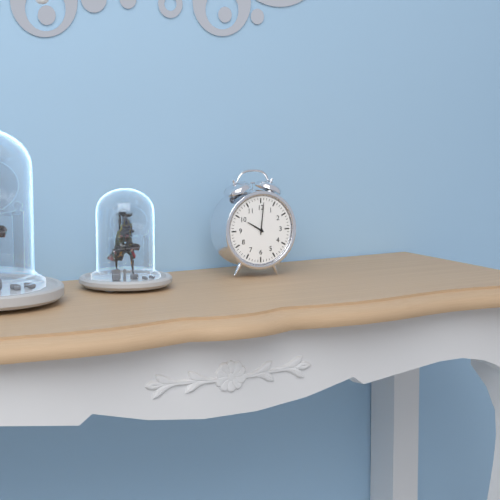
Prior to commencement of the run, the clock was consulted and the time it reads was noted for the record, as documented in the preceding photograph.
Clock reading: 10:01
